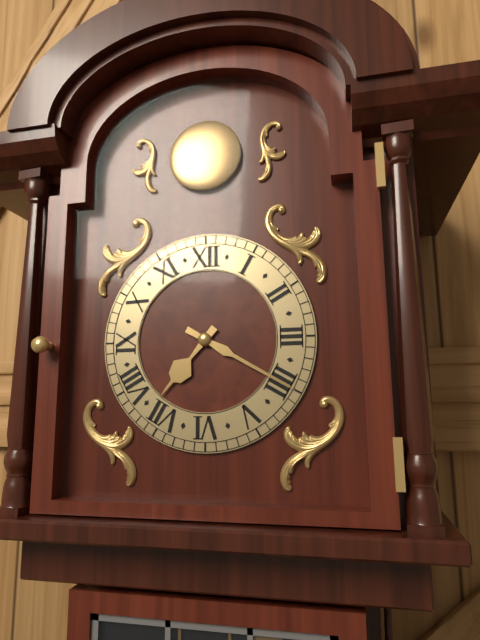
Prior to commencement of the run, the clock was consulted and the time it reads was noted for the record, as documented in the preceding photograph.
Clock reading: 7:20
